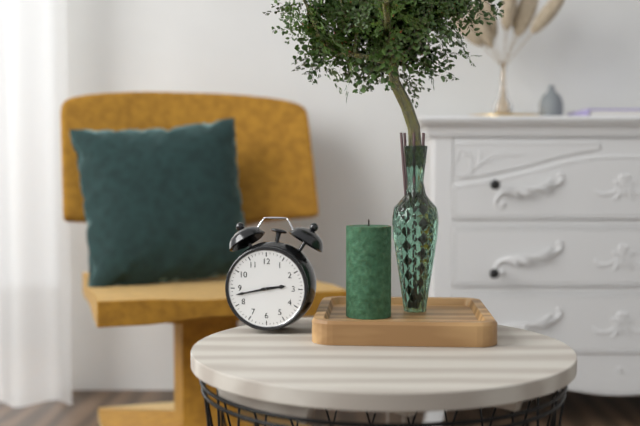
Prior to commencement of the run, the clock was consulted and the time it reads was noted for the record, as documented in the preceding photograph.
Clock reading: 2:43
